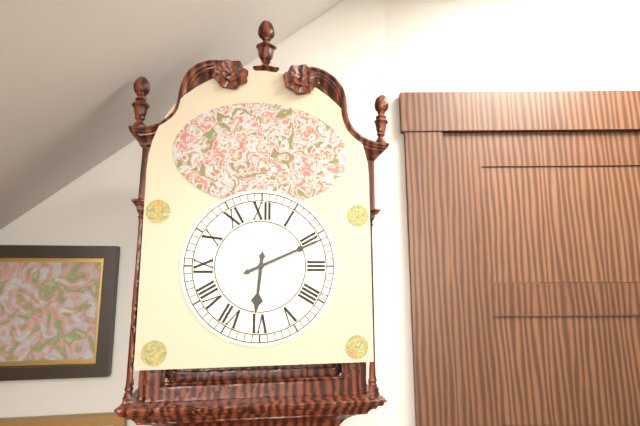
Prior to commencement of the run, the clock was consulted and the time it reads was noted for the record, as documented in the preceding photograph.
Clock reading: 6:11
